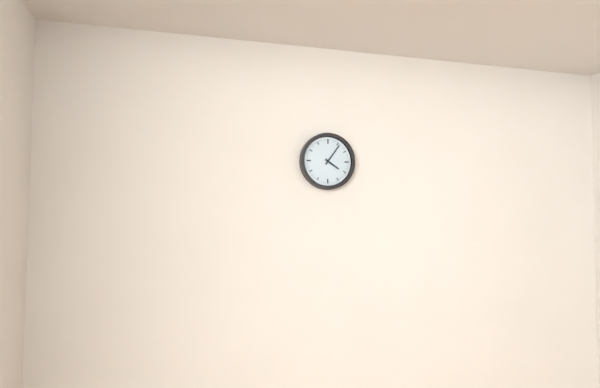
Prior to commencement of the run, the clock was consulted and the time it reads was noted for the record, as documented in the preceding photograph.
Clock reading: 4:06
